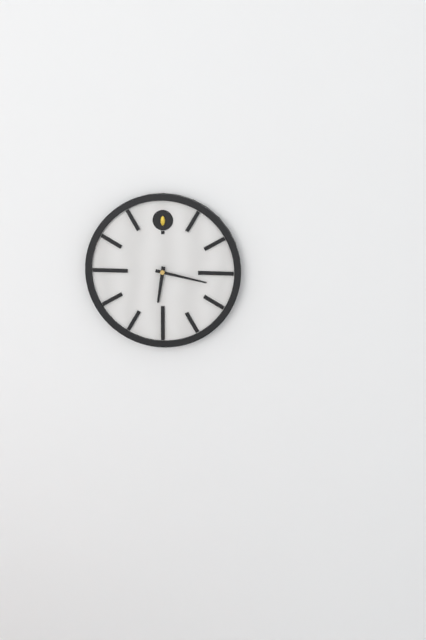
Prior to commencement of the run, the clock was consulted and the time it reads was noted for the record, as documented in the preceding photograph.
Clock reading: 6:17
